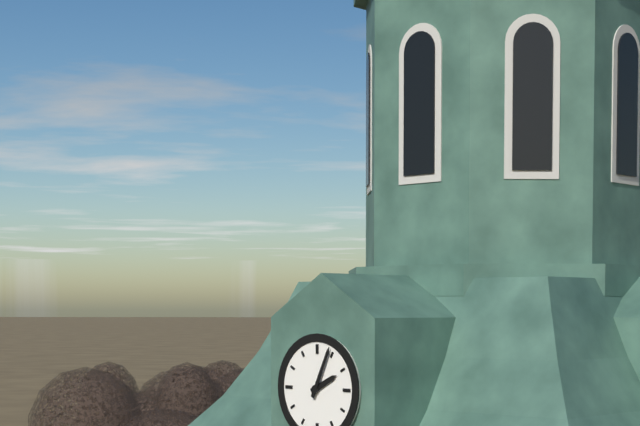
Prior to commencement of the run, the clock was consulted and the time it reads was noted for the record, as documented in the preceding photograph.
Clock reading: 2:04
